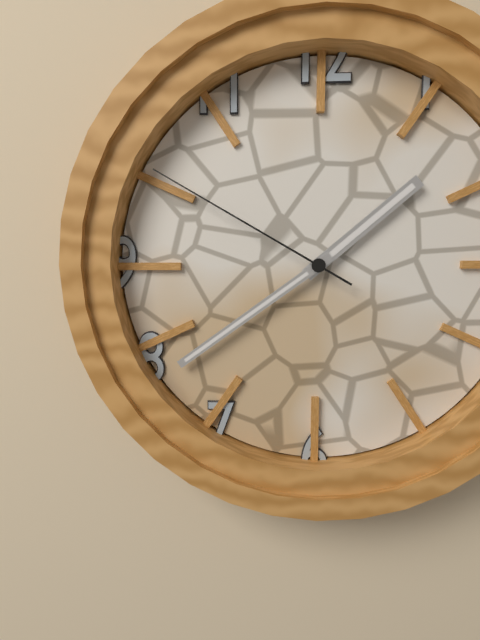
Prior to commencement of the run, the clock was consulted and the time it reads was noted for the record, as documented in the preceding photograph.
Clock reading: 1:39:50
